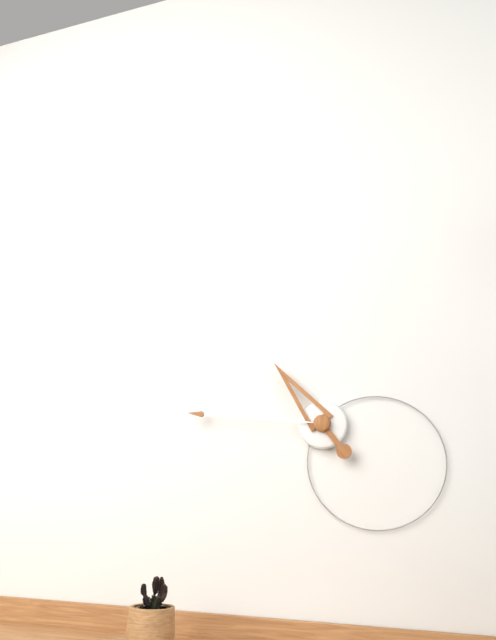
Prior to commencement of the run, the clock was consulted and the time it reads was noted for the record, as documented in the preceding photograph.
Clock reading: 10:46
